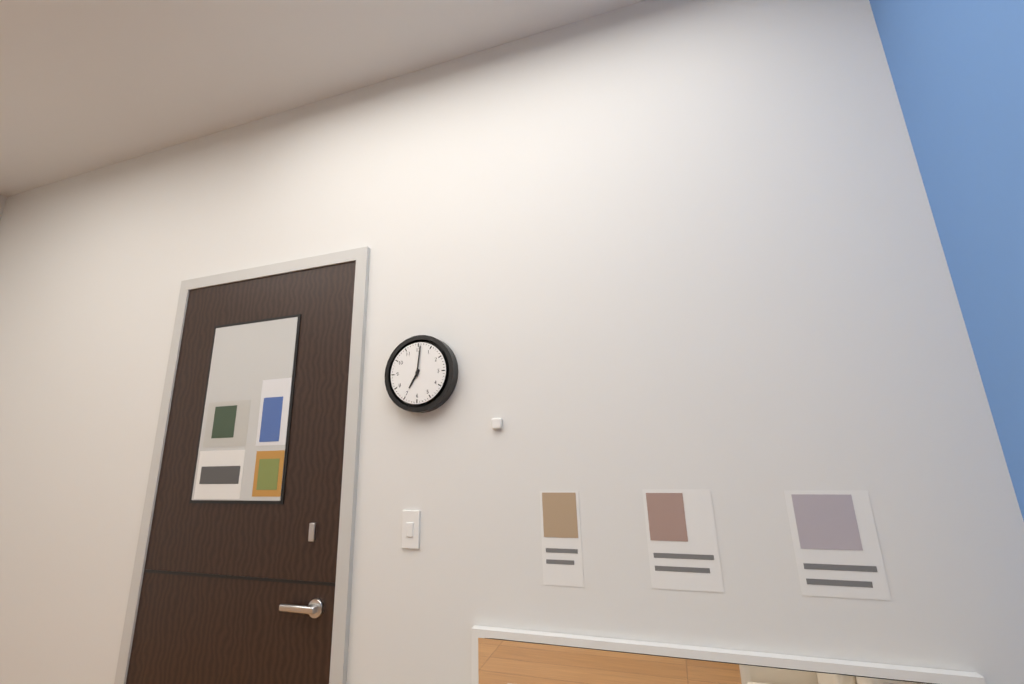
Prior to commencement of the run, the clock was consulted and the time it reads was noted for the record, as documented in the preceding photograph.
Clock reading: 7:01
